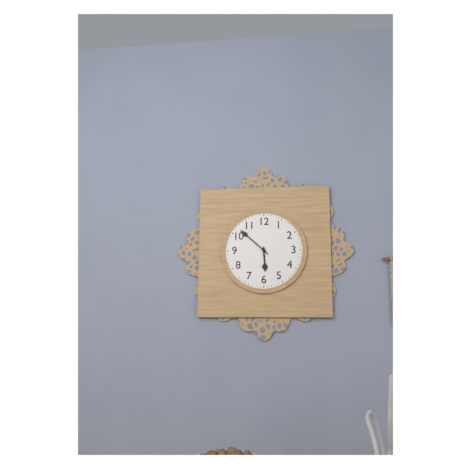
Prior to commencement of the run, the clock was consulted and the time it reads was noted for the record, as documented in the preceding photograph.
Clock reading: 5:52
